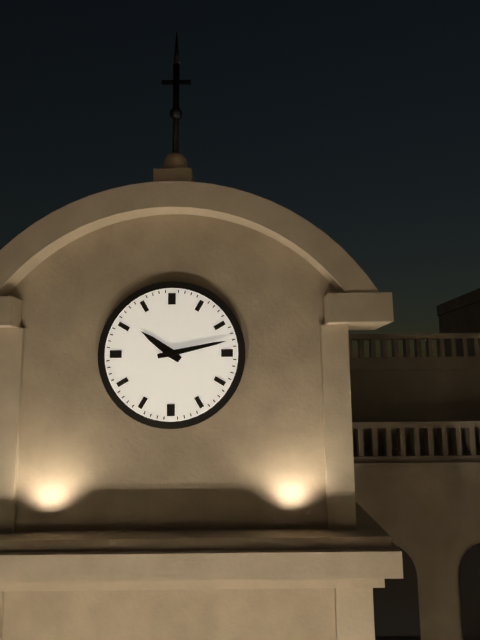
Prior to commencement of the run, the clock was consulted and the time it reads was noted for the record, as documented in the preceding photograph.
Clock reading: 10:13
